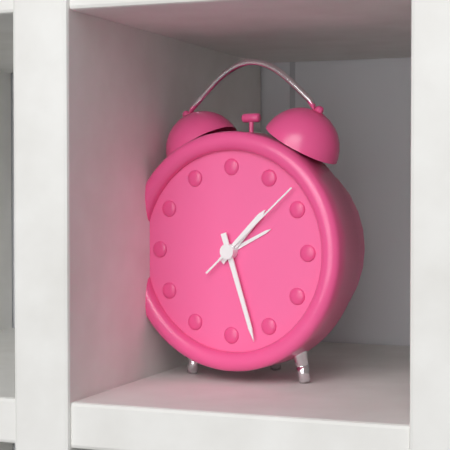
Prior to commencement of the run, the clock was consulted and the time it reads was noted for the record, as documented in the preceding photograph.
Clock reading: 1:27:08
